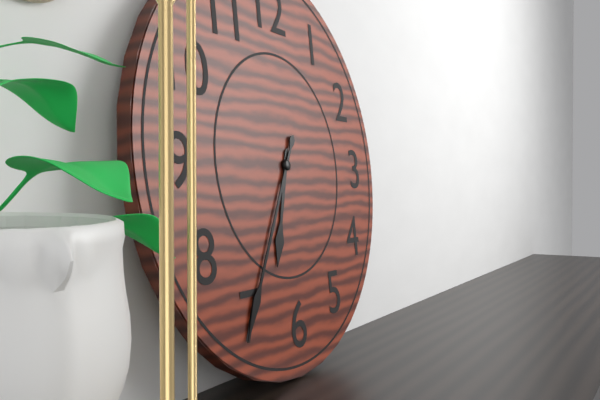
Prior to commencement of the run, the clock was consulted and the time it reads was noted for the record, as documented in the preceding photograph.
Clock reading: 6:35
